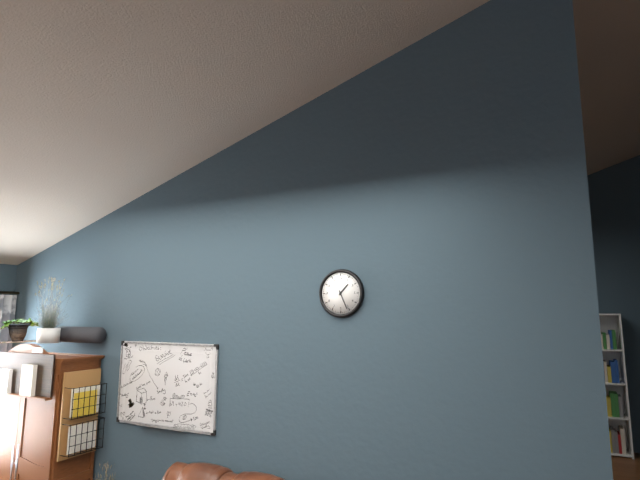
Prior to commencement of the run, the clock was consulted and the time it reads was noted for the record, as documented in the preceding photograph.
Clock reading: 1:26
